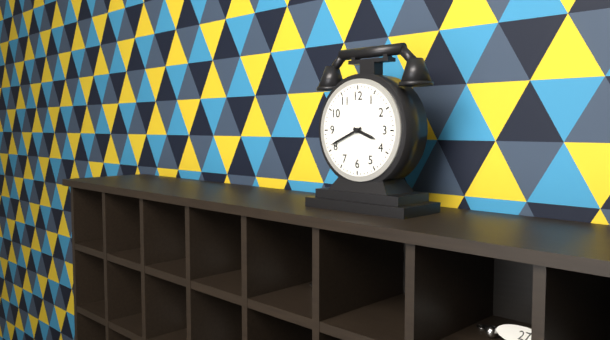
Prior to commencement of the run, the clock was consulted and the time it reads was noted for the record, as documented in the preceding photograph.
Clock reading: 3:41
